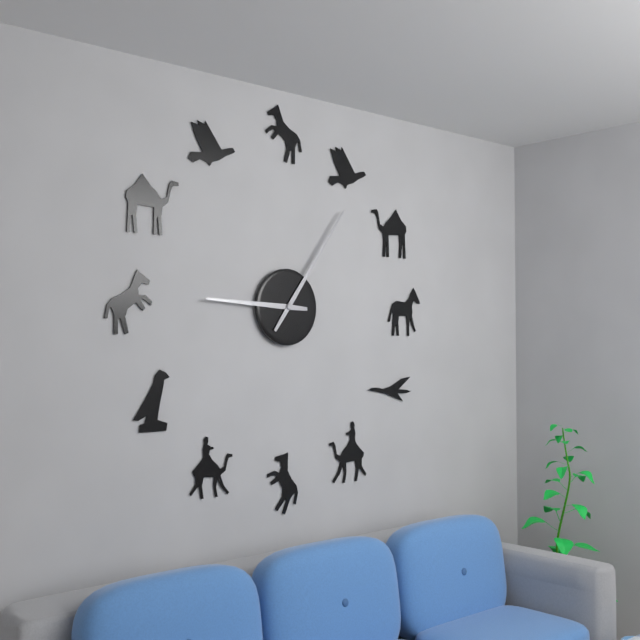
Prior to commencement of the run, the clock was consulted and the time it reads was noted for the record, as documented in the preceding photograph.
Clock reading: 9:06
